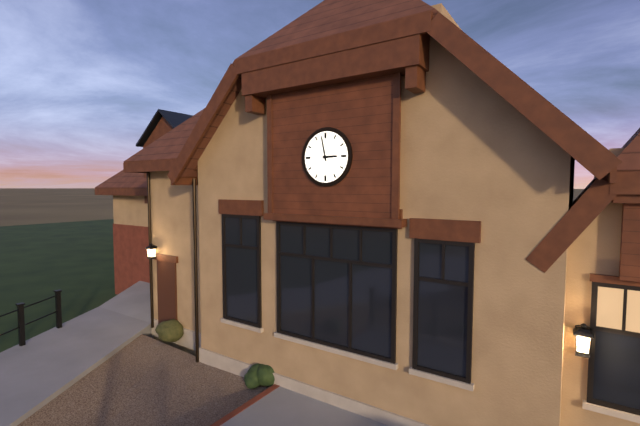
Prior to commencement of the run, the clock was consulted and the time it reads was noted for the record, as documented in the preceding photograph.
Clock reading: 2:58
